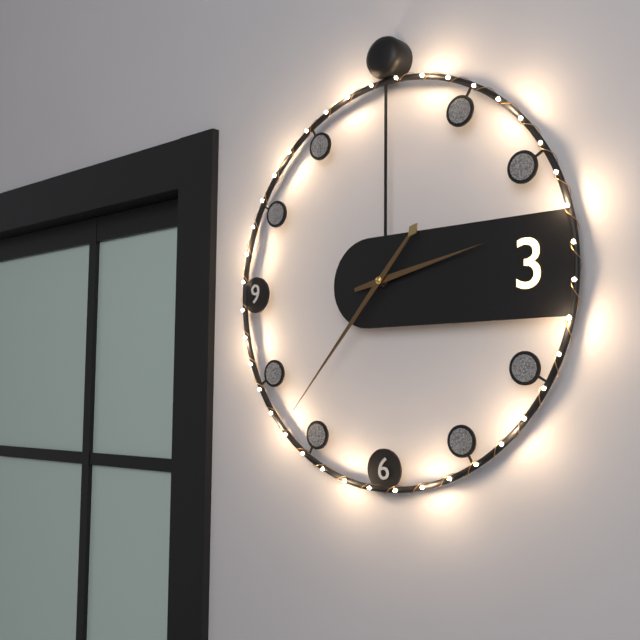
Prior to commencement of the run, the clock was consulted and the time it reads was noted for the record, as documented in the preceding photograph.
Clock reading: 2:37
